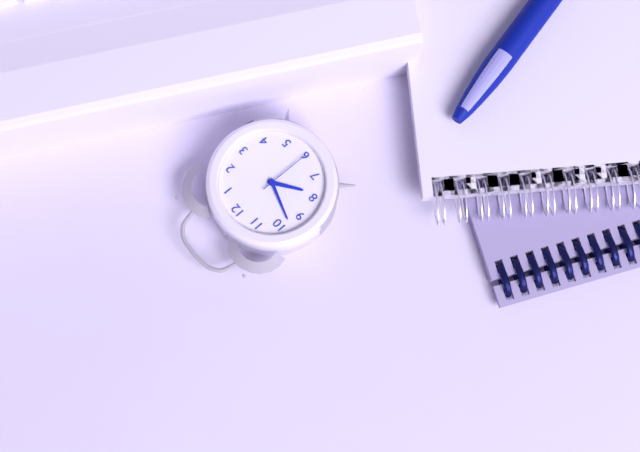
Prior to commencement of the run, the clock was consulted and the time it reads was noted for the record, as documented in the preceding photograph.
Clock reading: 7:48:30
